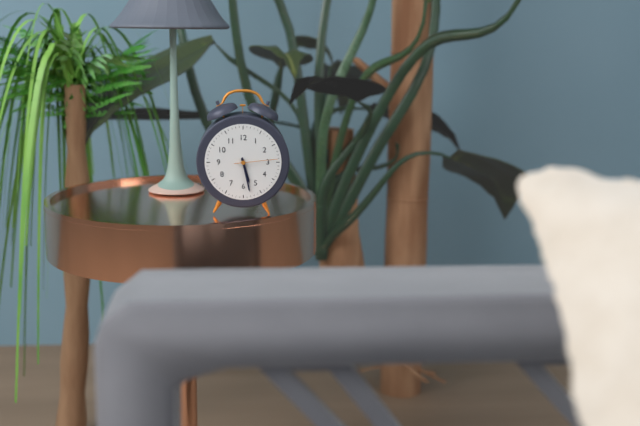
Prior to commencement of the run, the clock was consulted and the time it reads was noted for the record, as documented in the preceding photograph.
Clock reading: 5:28
